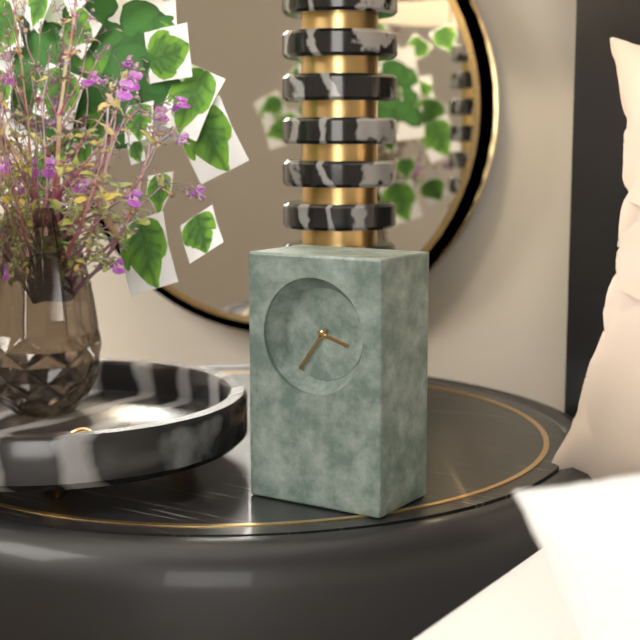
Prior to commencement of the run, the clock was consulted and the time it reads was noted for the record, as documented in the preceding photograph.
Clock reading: 3:36
